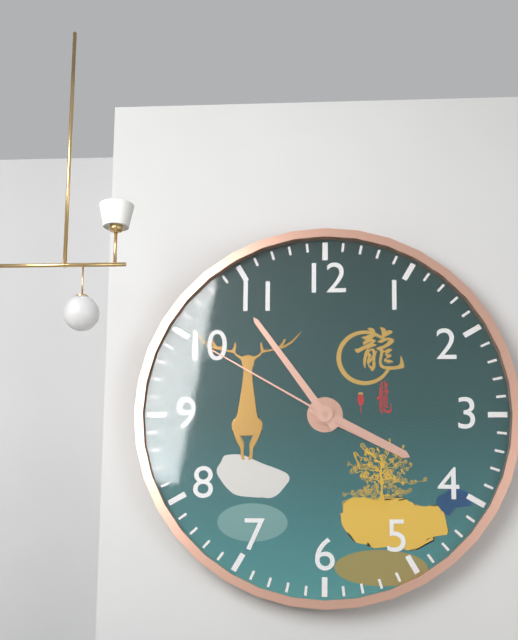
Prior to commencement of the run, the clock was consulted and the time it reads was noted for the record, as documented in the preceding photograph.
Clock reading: 3:54:50
